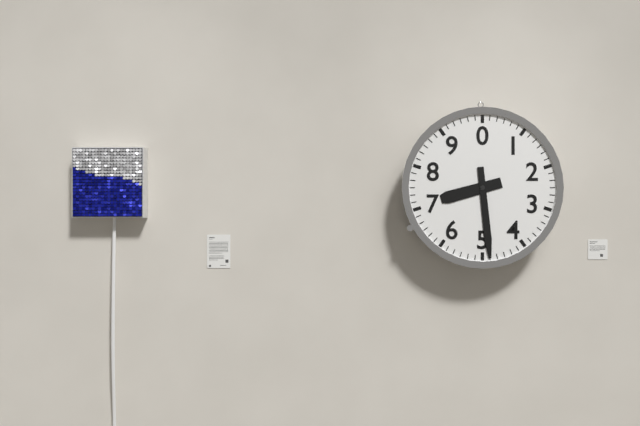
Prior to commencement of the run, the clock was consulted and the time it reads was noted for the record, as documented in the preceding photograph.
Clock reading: 8:29
